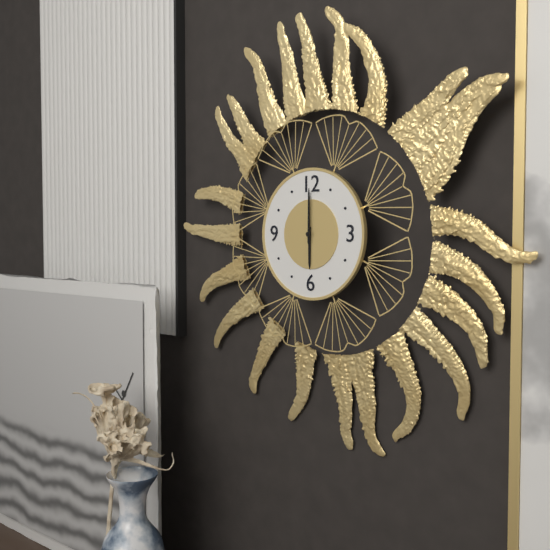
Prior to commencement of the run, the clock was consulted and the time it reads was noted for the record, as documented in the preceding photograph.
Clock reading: 6:00
